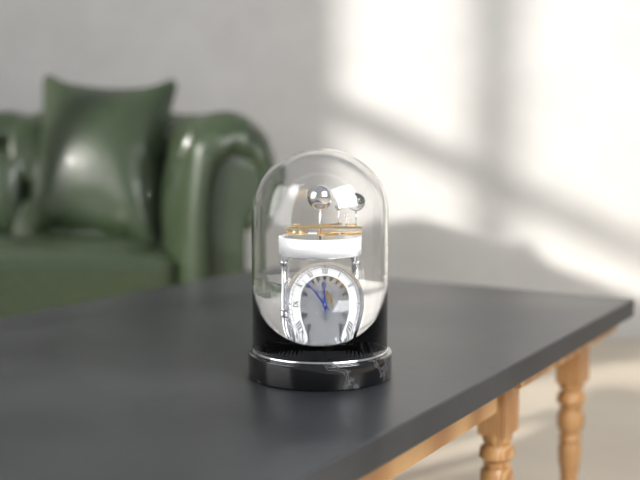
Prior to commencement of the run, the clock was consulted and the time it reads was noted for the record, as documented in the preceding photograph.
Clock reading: 11:52
